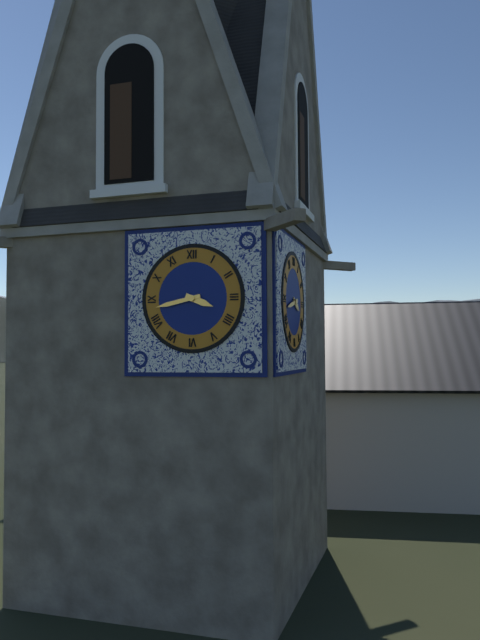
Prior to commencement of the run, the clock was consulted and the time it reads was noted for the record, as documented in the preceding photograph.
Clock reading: 3:43
